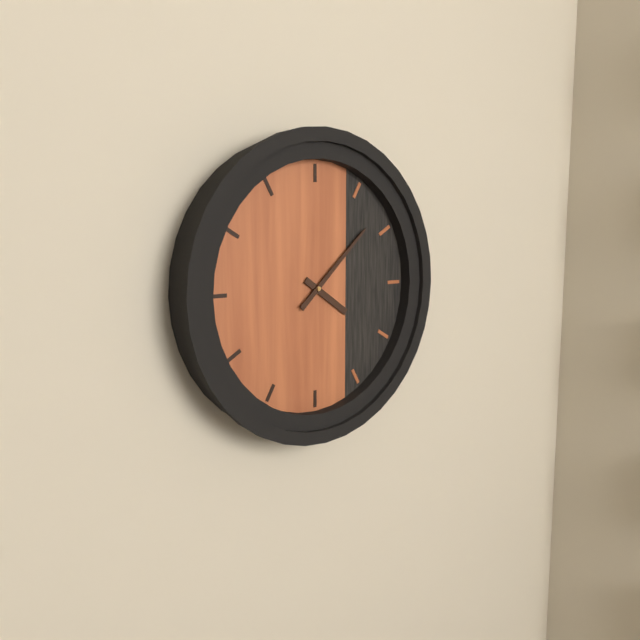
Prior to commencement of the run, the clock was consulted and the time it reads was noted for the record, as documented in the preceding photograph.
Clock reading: 4:08
